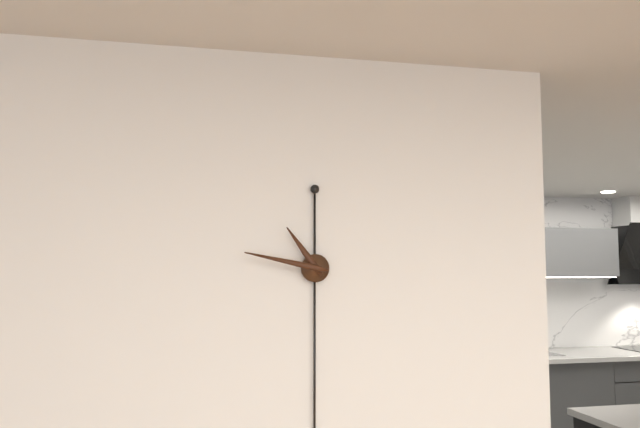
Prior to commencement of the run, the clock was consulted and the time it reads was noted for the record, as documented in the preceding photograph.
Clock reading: 10:47
